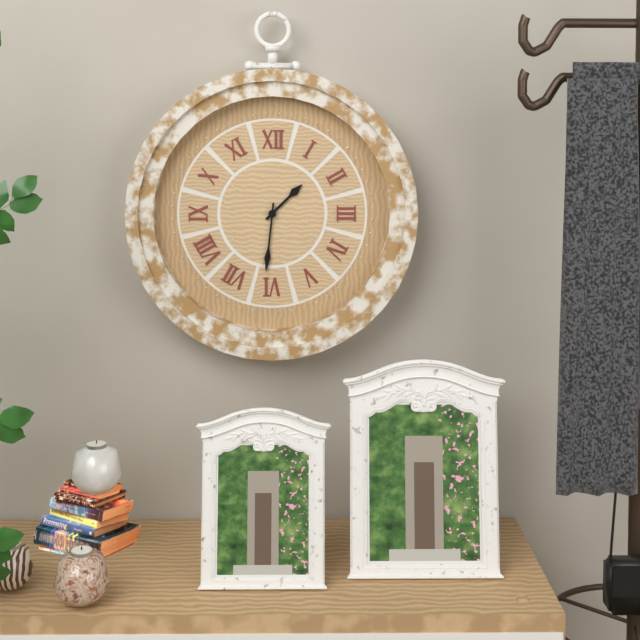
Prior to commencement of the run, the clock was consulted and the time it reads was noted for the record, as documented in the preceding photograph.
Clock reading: 1:31
